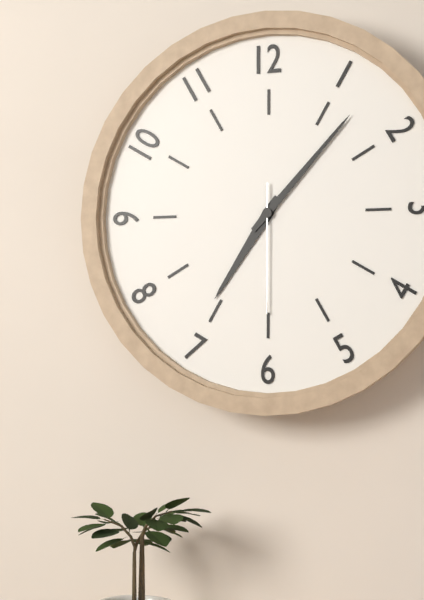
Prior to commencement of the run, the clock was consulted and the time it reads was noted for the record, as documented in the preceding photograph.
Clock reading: 7:07:30
